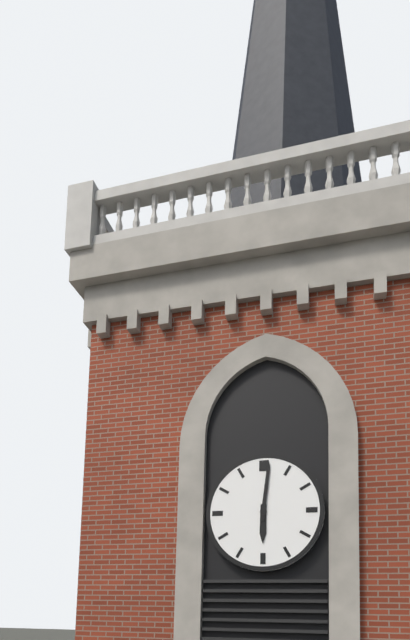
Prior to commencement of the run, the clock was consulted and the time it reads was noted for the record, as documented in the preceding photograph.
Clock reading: 6:01
